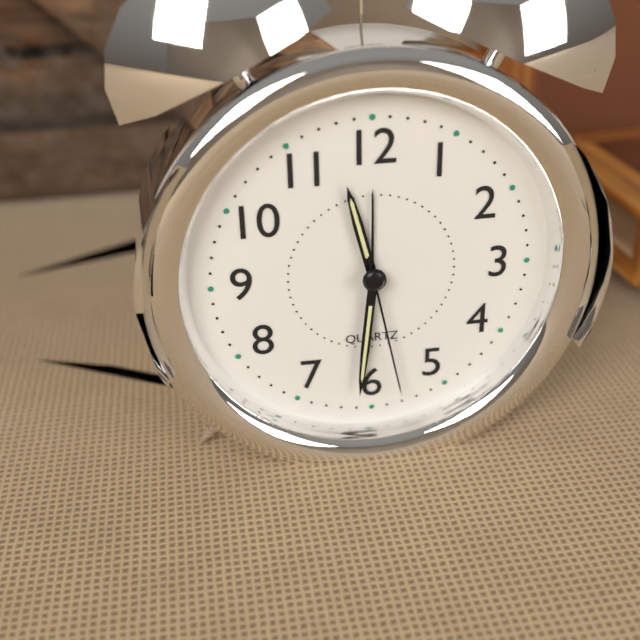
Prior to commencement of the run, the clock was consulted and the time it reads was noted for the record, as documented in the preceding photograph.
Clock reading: 11:31:28
